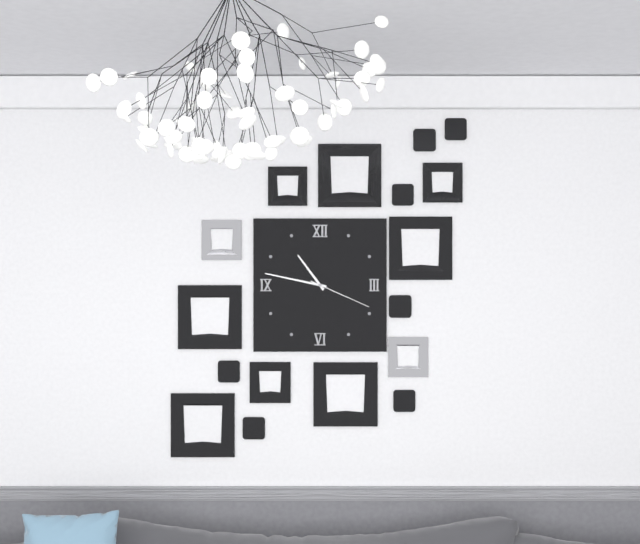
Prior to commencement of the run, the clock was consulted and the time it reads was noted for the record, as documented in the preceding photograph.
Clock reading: 10:47:19
